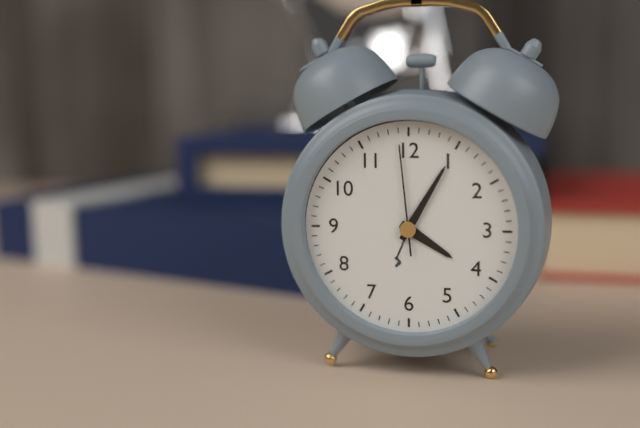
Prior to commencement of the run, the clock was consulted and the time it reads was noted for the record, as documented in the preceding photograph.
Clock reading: 4:05:59
